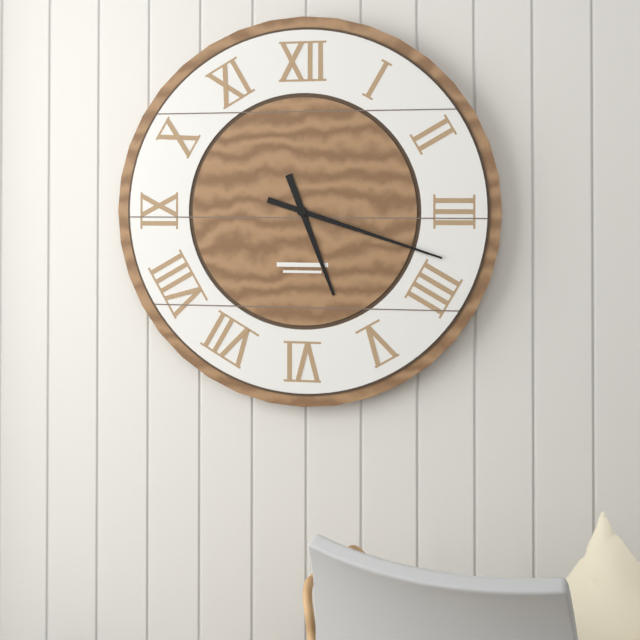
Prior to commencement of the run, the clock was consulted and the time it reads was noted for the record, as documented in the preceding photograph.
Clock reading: 5:18
